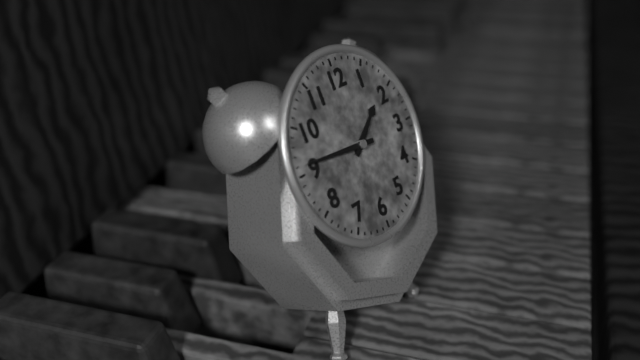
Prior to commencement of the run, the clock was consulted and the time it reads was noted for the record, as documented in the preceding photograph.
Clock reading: 1:46
